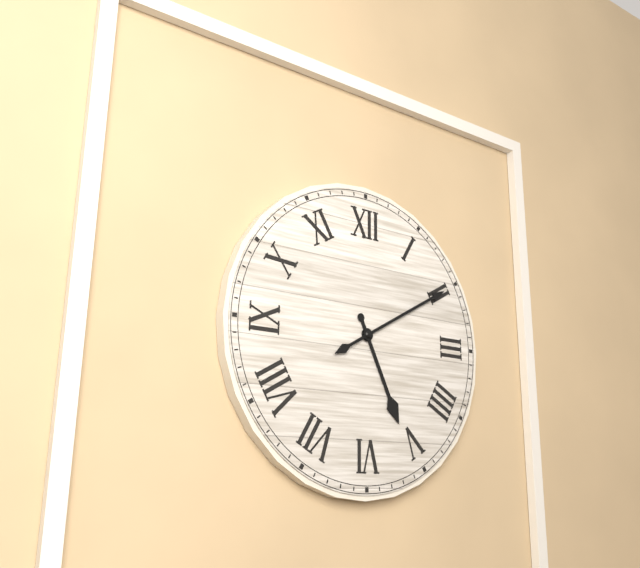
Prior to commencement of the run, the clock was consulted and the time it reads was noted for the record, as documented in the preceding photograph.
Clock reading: 5:10
